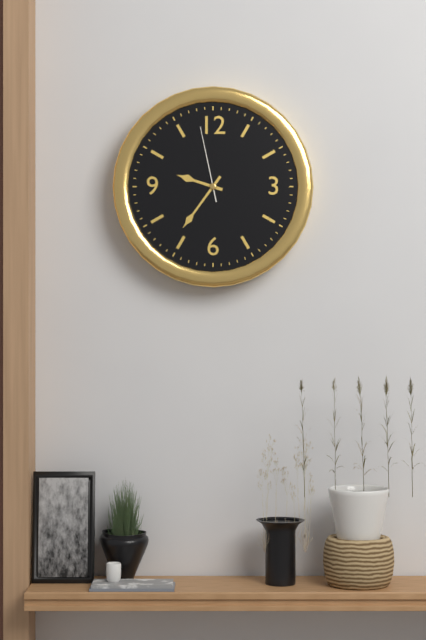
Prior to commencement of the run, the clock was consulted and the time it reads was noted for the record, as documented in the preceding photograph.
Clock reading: 9:36:58
